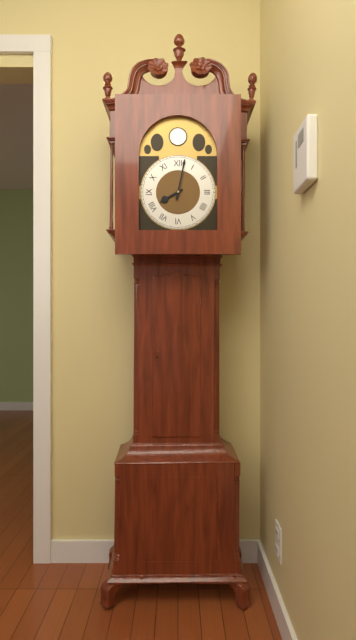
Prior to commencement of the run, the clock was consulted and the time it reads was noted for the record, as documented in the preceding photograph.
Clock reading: 8:02
